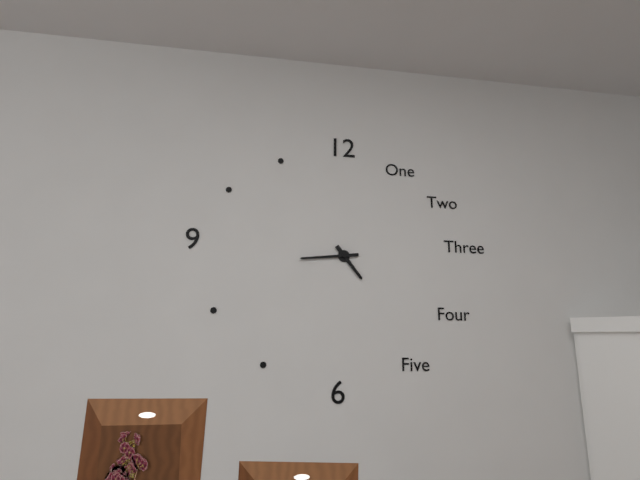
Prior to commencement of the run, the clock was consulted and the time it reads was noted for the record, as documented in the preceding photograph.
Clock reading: 4:44
